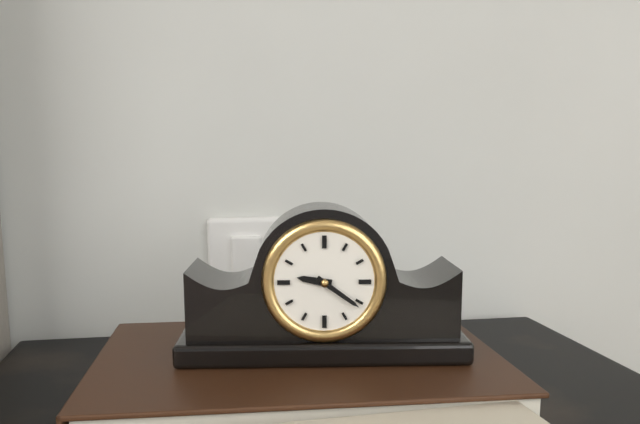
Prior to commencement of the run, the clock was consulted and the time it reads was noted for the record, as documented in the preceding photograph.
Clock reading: 9:21
